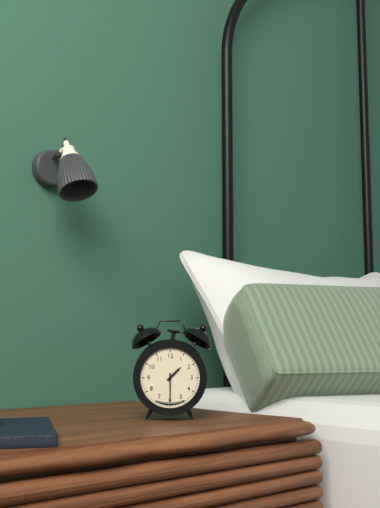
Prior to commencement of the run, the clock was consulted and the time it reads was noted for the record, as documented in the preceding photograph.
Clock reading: 1:30
